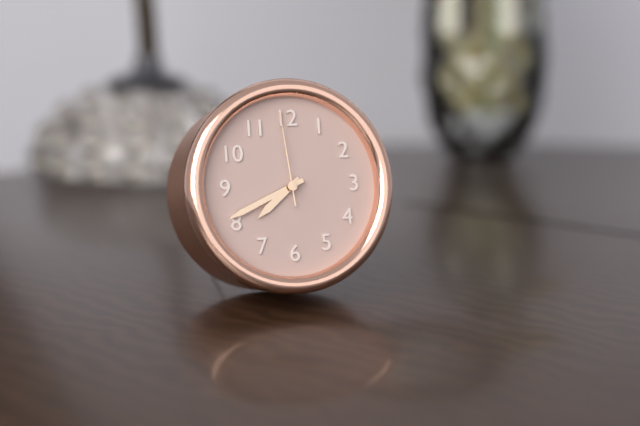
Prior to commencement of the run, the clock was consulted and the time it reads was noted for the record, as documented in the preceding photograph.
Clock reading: 7:41:59
